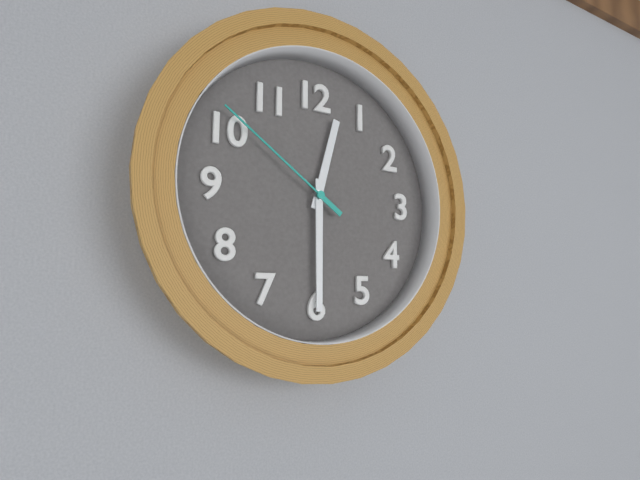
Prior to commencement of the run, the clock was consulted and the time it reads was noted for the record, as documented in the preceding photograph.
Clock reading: 12:30:51
